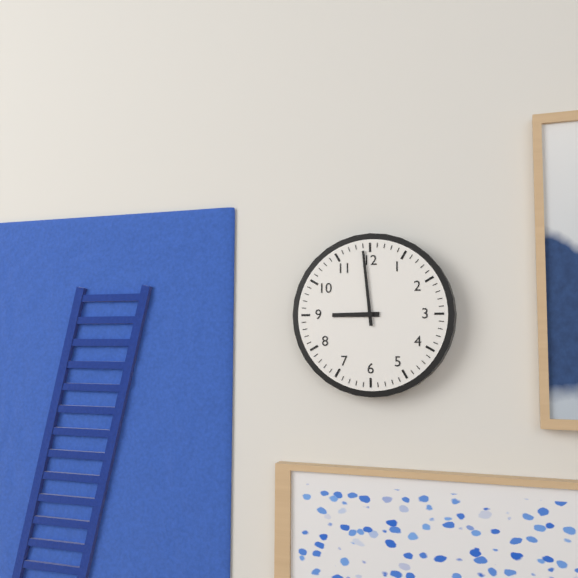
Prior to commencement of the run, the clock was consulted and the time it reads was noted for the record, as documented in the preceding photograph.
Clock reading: 8:59
